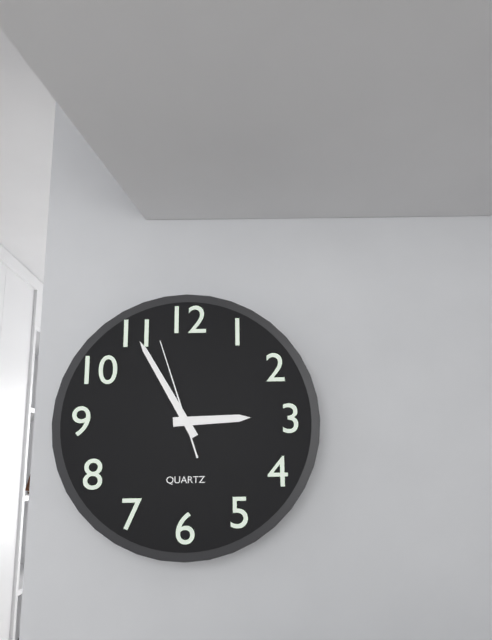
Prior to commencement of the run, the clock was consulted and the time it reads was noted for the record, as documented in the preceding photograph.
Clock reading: 2:55:57
